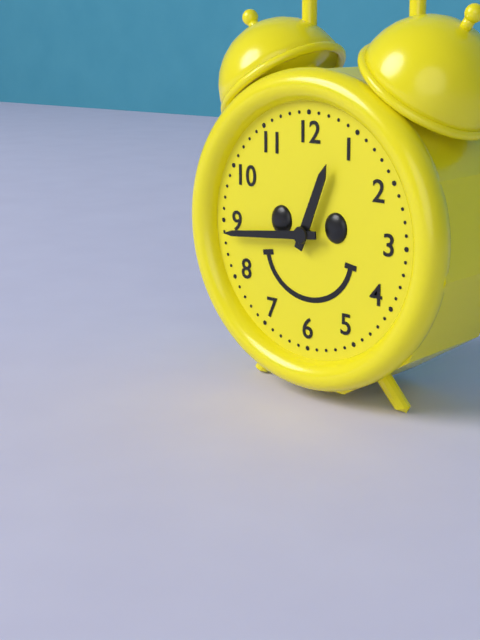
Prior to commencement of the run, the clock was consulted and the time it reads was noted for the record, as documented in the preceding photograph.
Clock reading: 12:44
